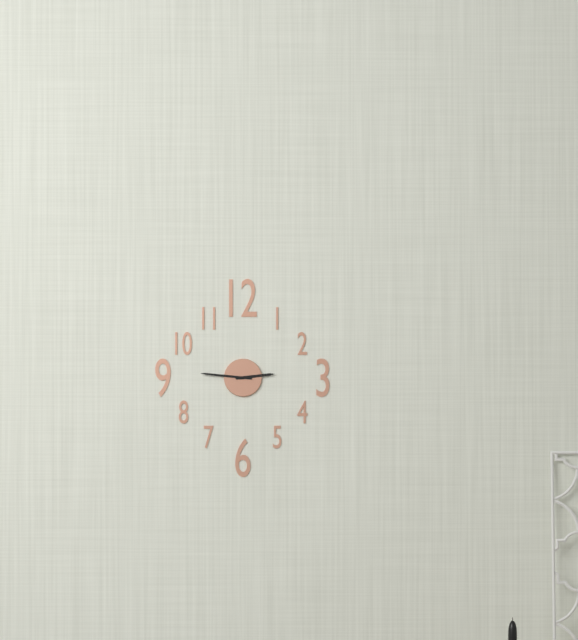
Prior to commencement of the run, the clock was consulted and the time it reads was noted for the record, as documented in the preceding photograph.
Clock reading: 2:46
